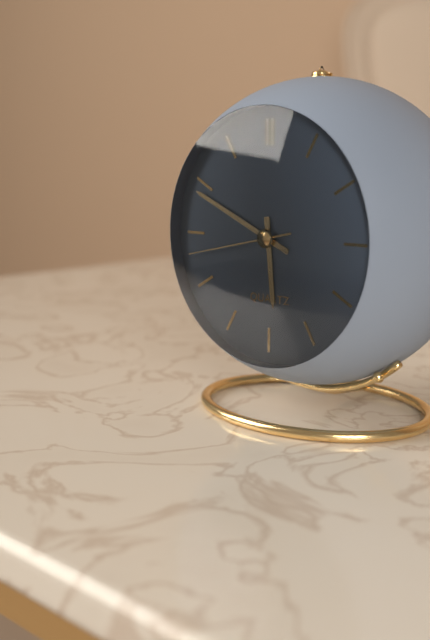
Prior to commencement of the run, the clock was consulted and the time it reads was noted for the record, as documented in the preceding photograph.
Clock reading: 5:49:43
